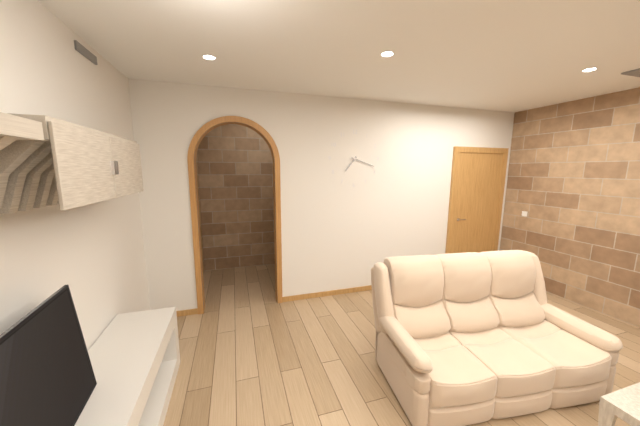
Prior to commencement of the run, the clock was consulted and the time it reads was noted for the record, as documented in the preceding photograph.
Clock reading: 7:18
